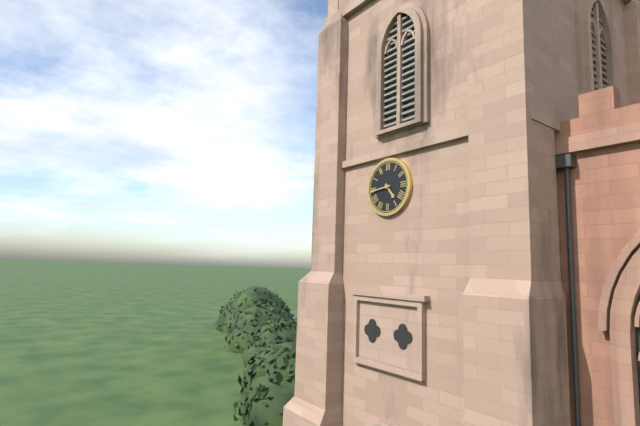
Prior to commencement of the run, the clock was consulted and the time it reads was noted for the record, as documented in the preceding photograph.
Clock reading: 4:44
